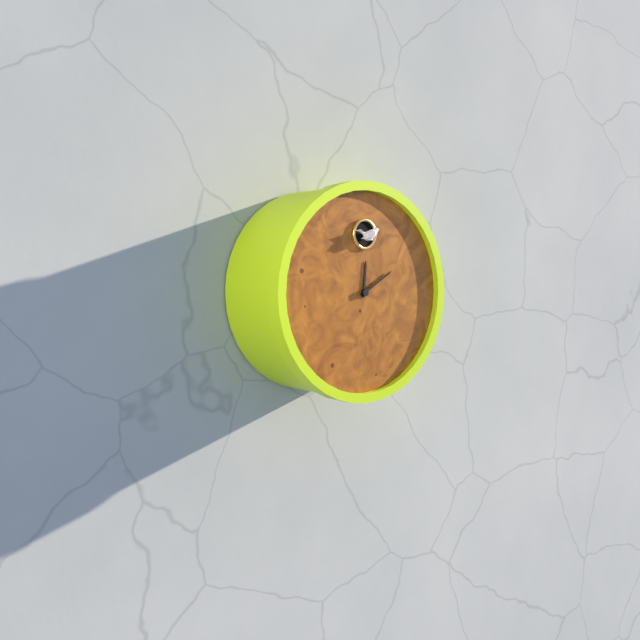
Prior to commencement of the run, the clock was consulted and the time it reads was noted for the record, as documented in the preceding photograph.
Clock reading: 12:10
